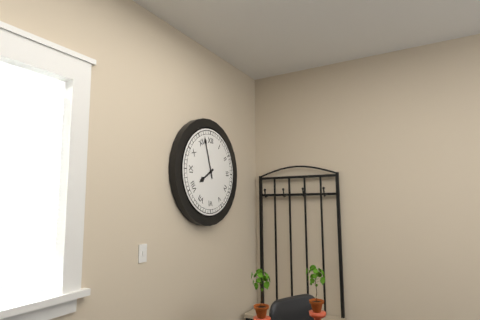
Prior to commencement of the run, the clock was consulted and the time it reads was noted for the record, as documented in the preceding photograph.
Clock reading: 7:57
